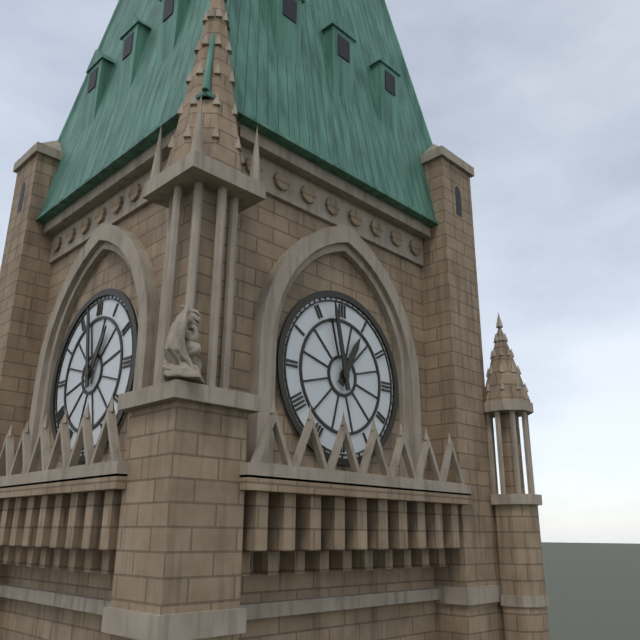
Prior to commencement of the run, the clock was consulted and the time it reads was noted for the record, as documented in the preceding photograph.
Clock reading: 12:58
